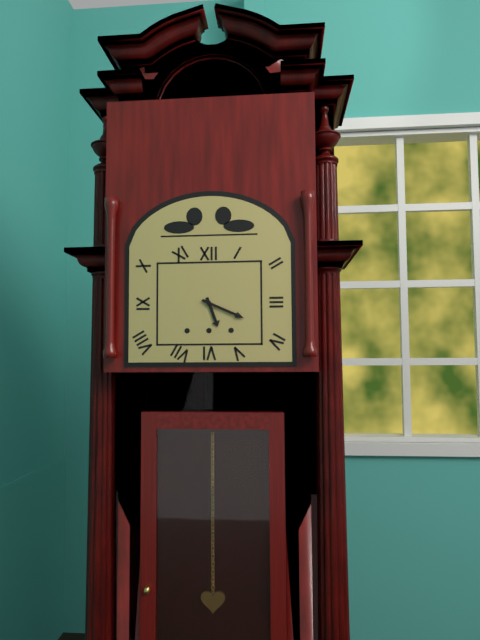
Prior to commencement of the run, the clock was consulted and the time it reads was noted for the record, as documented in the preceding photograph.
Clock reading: 5:19
